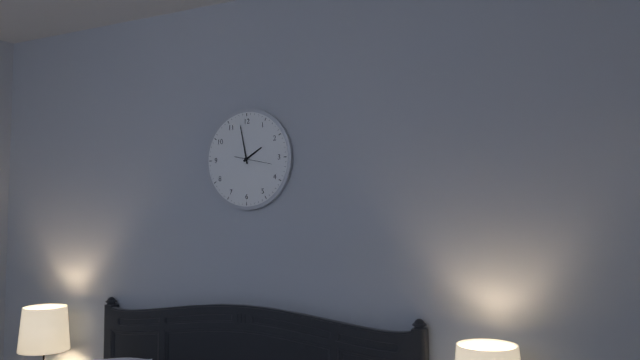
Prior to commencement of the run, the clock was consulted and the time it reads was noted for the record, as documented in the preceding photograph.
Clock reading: 1:58
